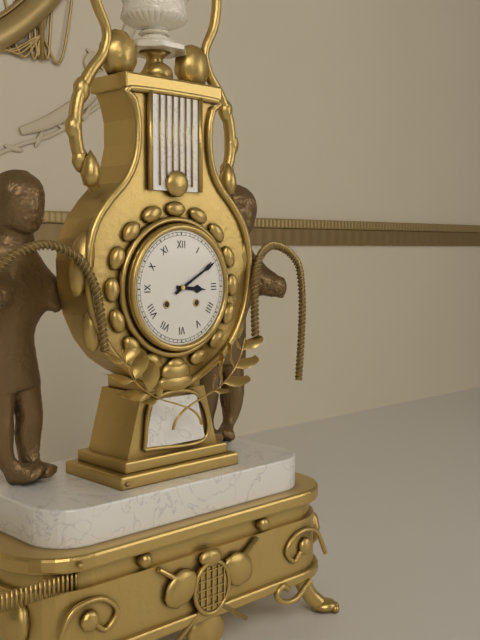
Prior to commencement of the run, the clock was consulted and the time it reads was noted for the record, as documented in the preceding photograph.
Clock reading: 3:10
